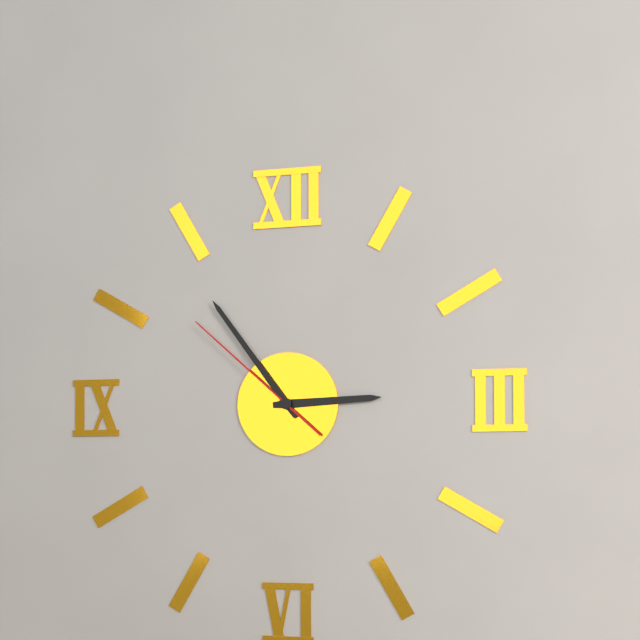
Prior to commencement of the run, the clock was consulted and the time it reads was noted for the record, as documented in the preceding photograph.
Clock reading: 2:54:52
